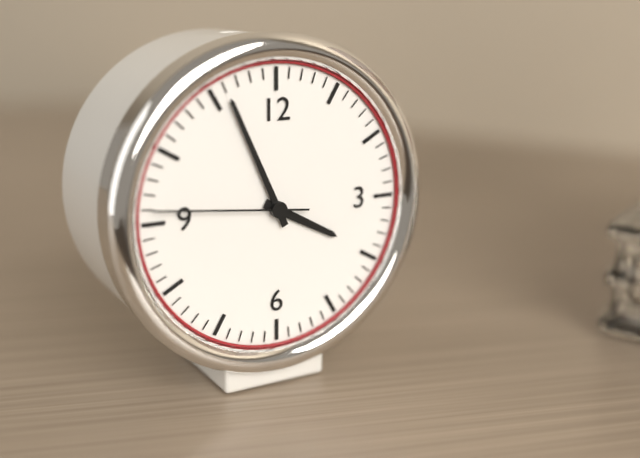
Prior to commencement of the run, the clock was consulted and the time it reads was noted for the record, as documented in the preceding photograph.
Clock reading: 3:56:46
